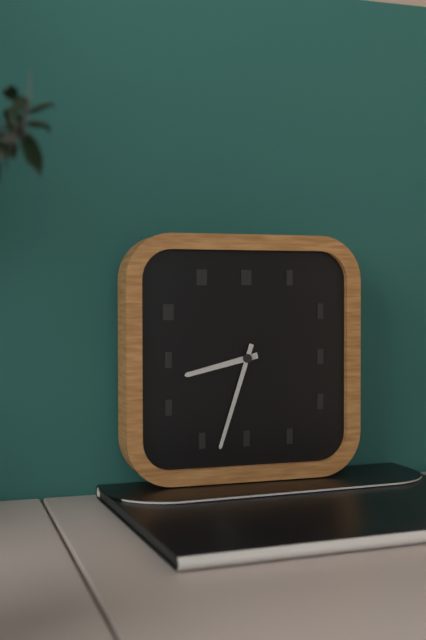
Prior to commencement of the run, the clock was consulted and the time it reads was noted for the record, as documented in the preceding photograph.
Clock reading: 8:33
